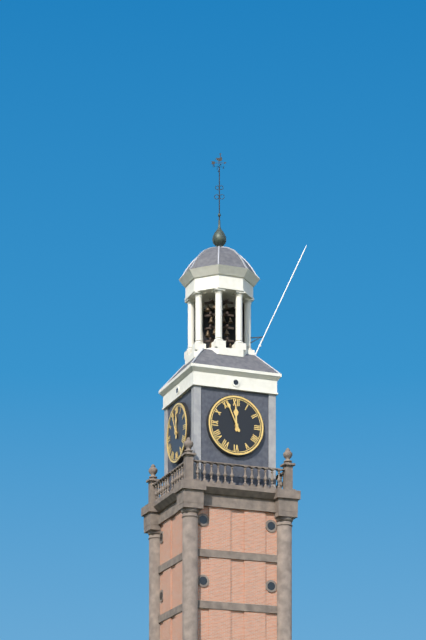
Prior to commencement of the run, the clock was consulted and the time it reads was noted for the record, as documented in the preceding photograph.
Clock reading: 11:56
